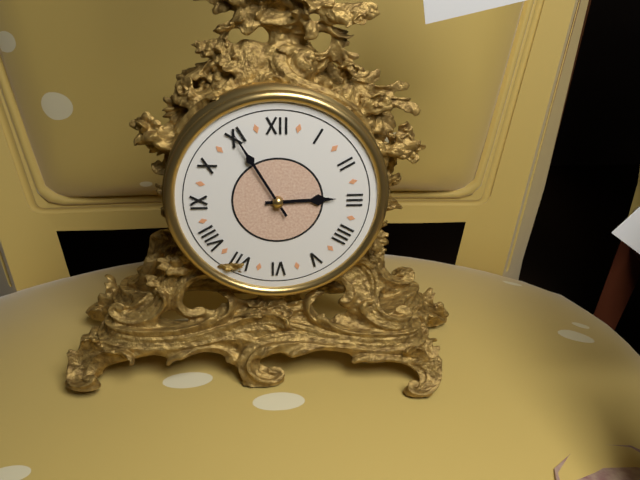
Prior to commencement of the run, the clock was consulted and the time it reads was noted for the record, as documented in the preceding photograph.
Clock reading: 2:55
